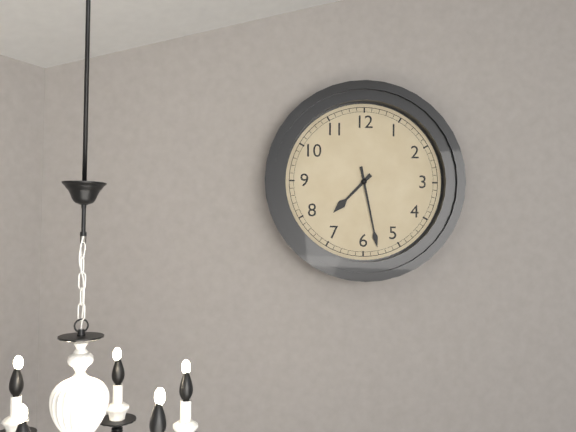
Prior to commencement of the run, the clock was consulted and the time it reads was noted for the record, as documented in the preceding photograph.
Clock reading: 7:28
